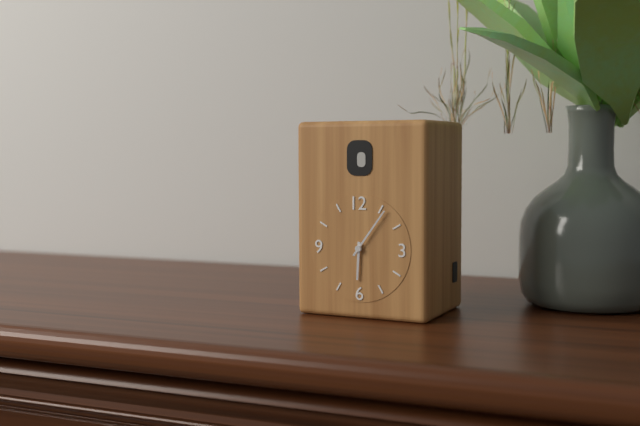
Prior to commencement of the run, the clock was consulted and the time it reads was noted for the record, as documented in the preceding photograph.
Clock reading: 6:06
